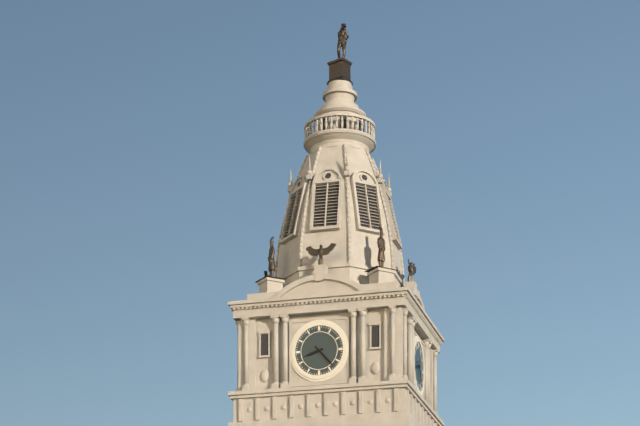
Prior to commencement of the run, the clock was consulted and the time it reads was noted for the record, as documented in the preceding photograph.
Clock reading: 8:23
